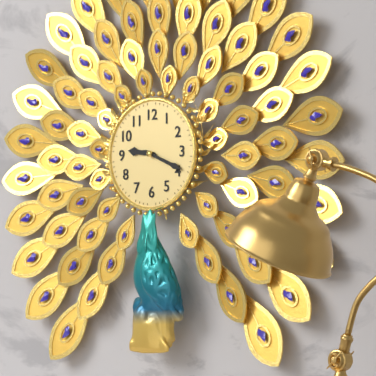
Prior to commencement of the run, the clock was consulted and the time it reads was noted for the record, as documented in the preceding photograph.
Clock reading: 9:19
